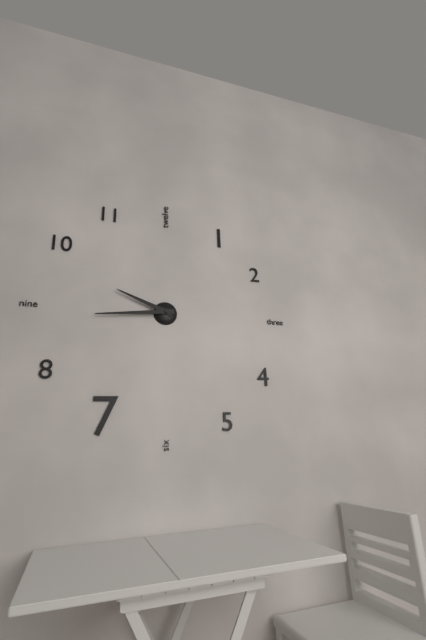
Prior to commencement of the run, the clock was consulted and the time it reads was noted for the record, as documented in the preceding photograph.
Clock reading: 9:44
